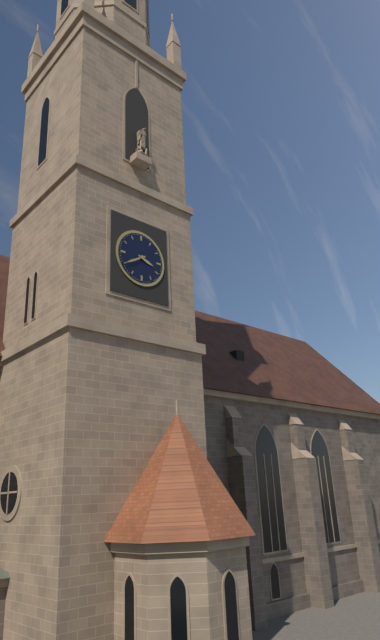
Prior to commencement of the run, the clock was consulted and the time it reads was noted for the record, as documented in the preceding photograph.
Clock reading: 3:40
